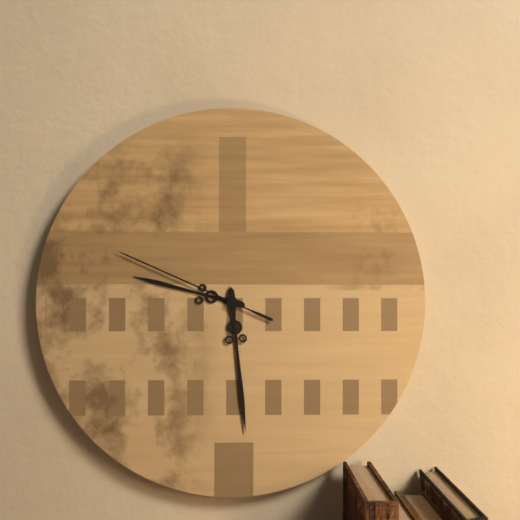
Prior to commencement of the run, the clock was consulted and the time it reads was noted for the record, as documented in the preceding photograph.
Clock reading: 9:29:49
